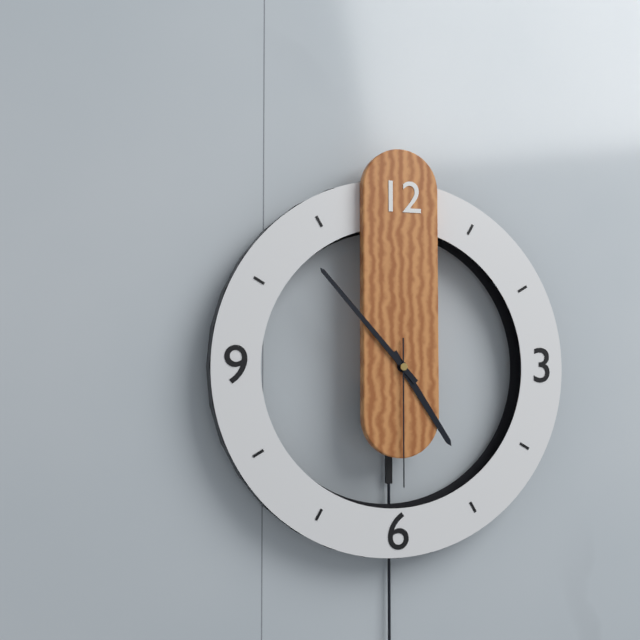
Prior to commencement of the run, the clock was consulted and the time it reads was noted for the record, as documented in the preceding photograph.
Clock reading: 4:53:30
